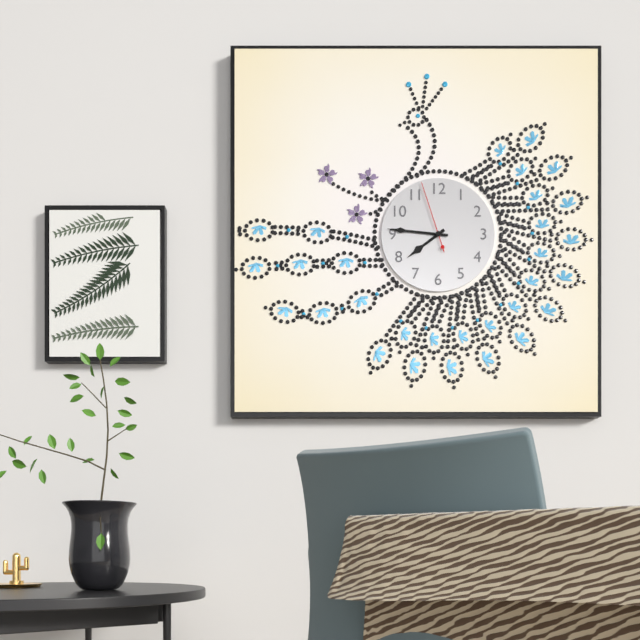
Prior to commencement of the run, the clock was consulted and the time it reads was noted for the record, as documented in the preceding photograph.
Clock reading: 7:46:57
